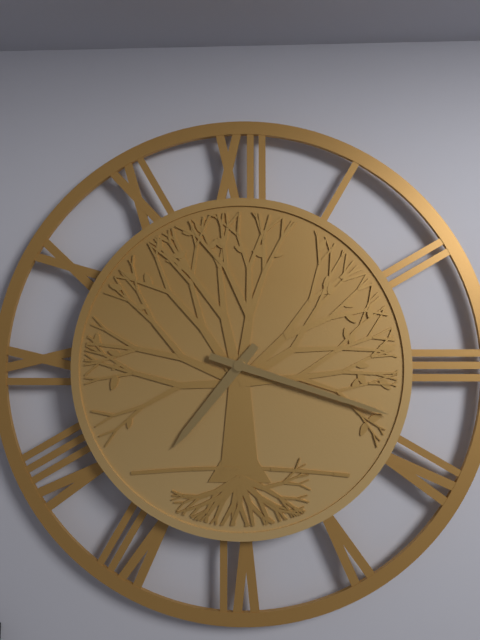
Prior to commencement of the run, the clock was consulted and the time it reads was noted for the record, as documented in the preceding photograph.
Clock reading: 7:18
